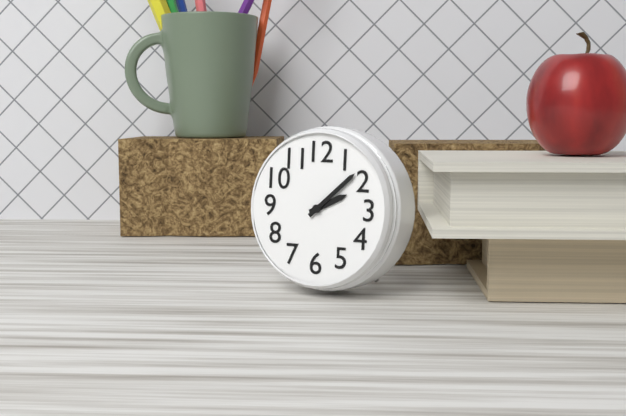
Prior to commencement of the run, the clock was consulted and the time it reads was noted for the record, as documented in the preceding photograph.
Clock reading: 2:08
